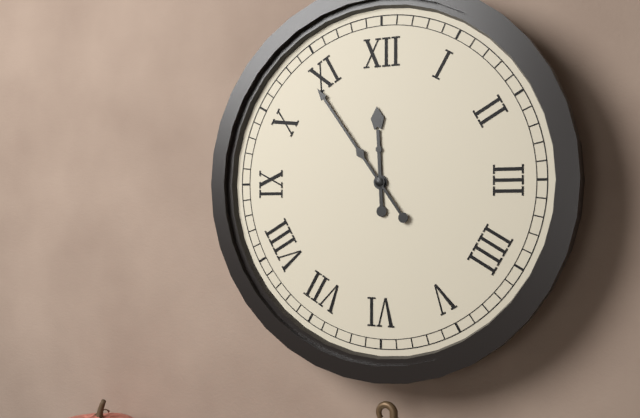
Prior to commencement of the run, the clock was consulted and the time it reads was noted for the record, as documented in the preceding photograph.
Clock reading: 11:54
